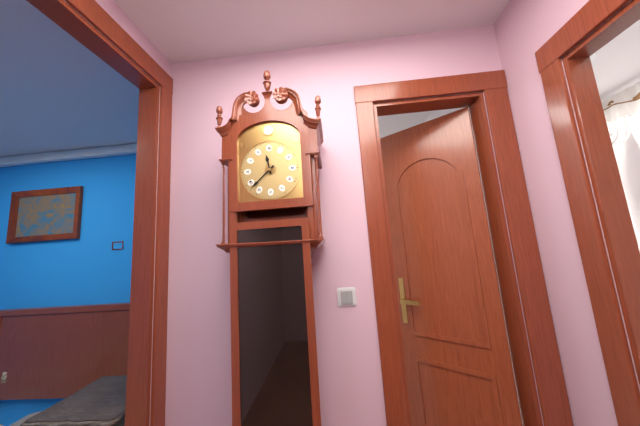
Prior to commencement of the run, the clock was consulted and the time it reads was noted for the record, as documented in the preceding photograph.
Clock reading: 11:38
